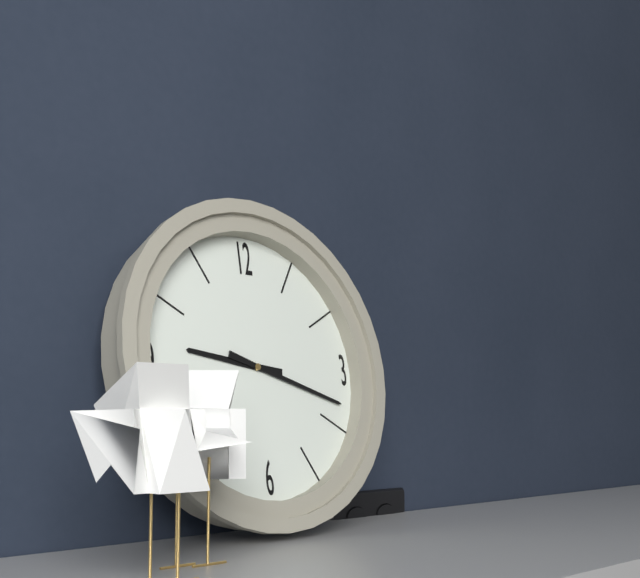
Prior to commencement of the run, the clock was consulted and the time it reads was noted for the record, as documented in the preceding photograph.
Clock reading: 9:18
